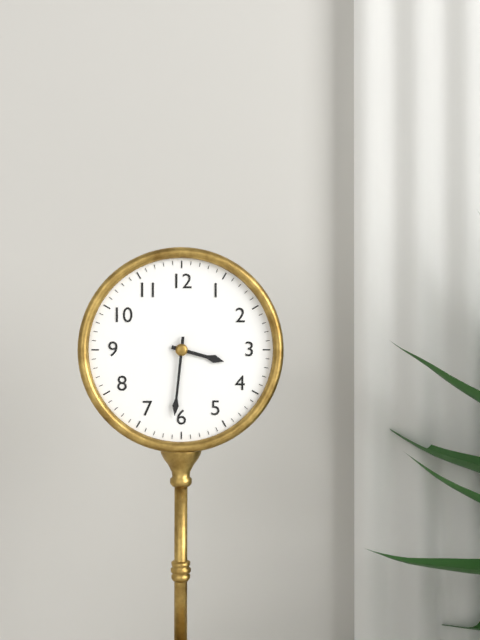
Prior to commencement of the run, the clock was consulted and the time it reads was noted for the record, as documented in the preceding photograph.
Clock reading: 3:31
